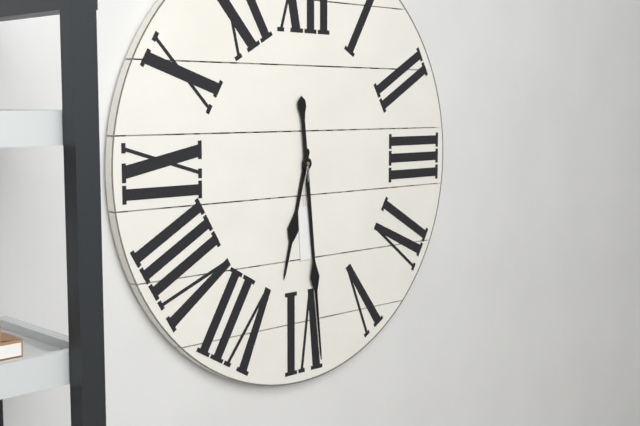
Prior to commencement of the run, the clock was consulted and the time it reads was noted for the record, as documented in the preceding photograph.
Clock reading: 6:29
